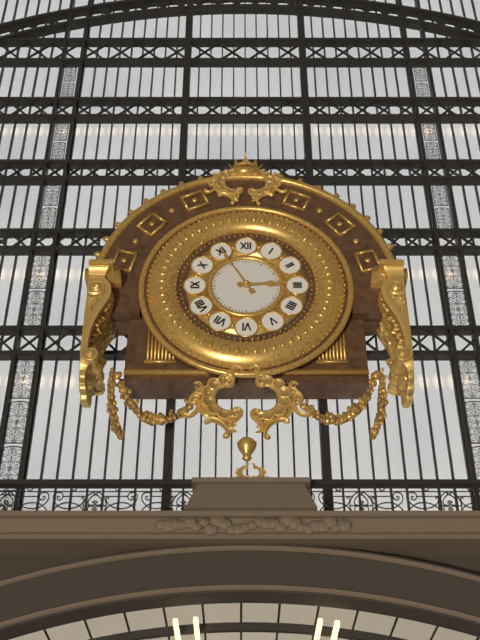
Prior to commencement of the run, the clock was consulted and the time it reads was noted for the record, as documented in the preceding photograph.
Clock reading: 2:55
